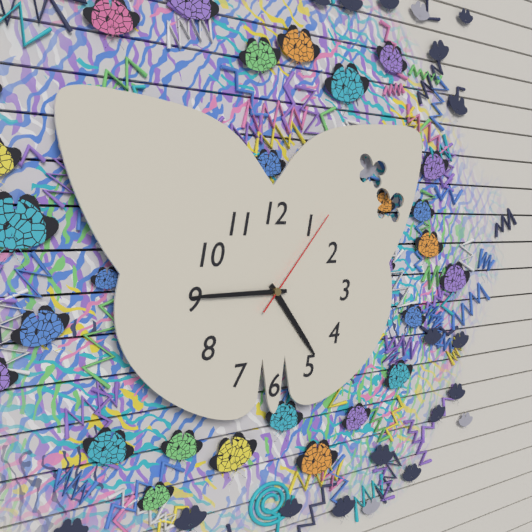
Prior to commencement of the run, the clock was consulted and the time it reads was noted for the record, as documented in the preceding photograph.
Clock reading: 4:45:07
